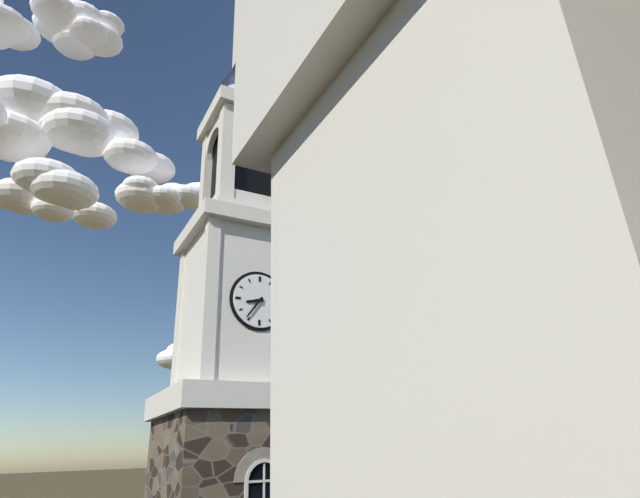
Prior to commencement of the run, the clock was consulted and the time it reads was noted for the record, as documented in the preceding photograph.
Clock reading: 8:36
